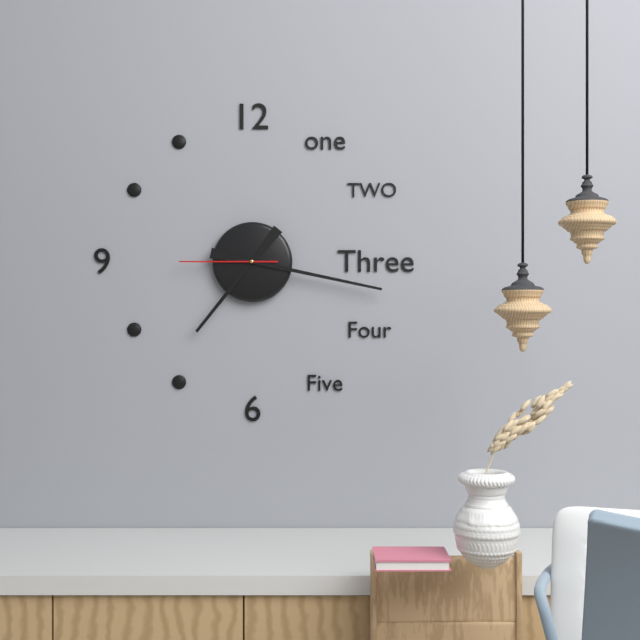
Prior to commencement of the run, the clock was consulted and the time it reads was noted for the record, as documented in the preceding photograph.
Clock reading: 7:17:45
